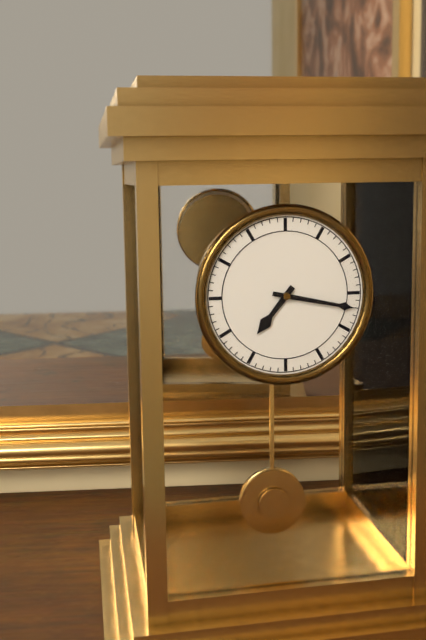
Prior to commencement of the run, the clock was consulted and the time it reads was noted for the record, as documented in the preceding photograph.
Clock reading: 7:17
